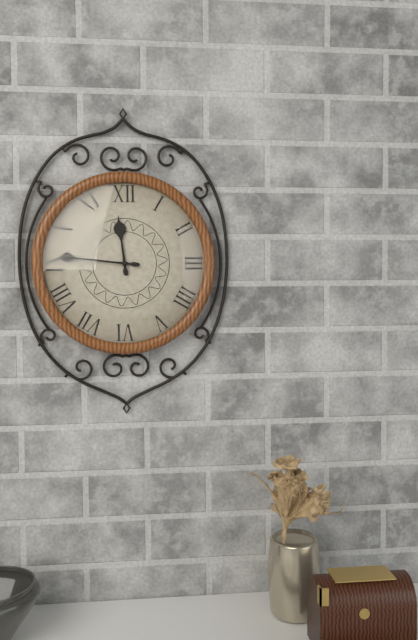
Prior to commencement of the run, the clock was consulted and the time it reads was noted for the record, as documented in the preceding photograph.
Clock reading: 11:46
